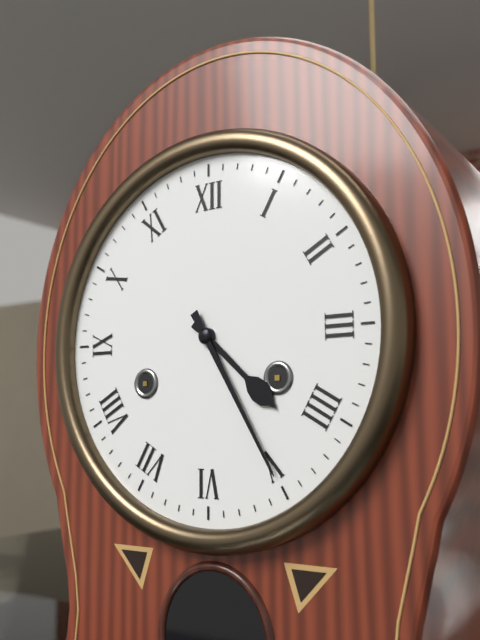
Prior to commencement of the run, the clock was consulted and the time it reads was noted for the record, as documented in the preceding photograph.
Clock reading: 4:25
